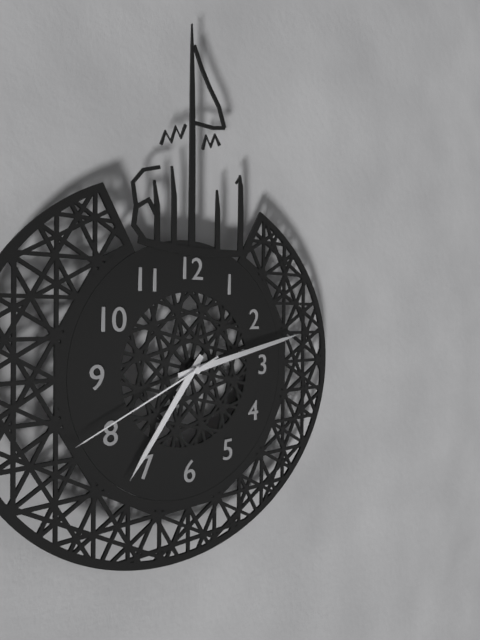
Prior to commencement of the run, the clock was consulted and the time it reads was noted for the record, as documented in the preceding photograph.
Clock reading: 7:13:41
